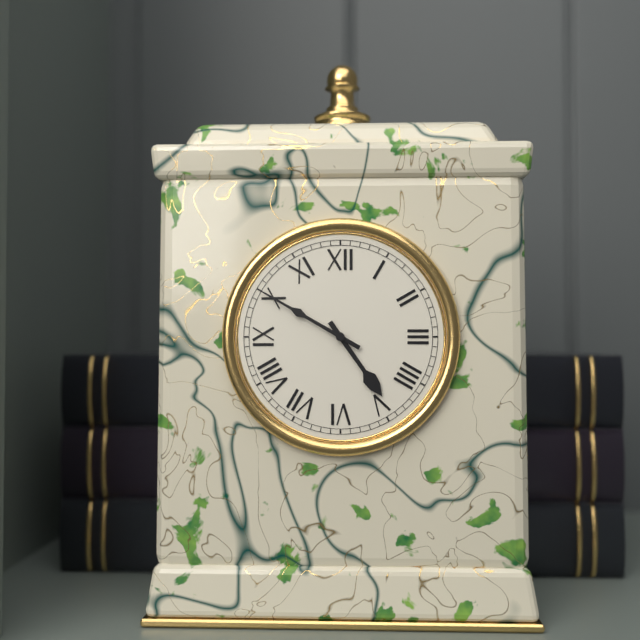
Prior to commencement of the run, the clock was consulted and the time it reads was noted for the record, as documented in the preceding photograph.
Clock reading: 4:50
